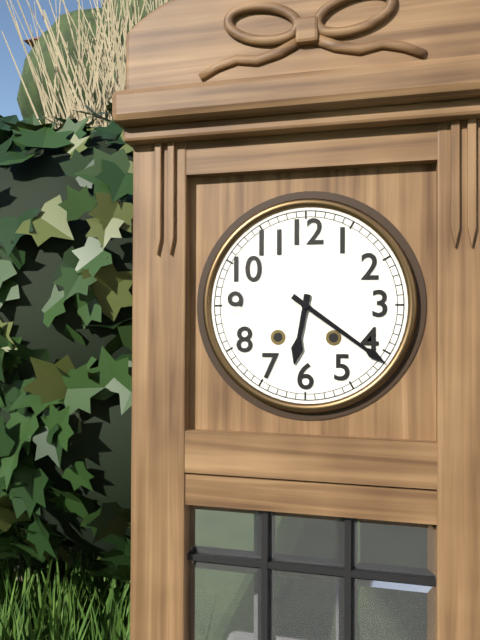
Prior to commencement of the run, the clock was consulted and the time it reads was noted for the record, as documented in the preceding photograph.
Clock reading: 6:21
